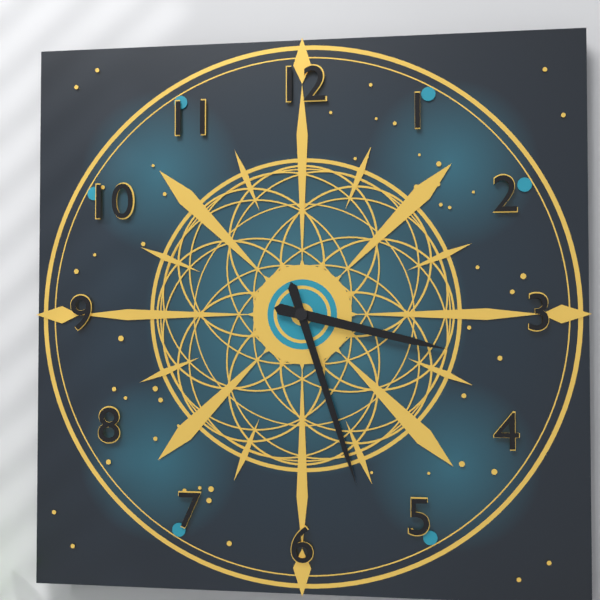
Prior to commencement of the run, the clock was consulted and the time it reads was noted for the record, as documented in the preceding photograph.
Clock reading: 3:27
